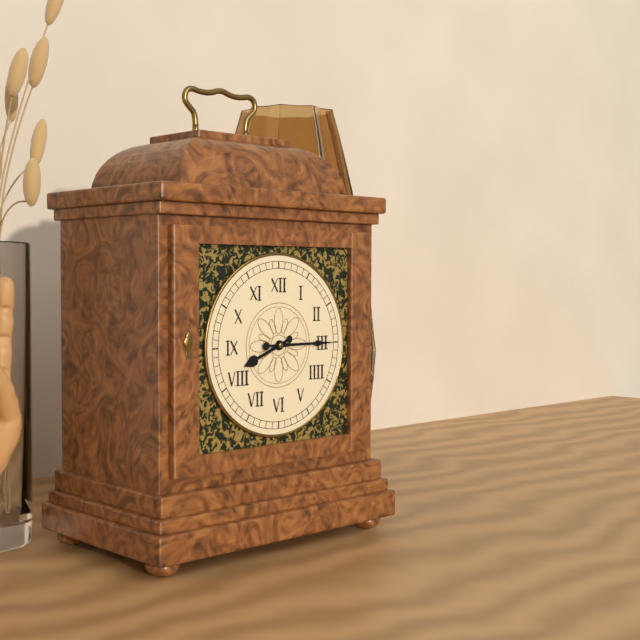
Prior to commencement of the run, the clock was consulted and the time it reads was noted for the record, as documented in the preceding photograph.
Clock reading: 8:15
